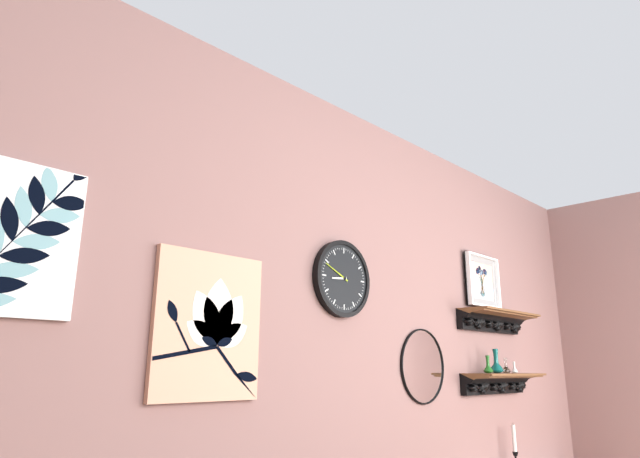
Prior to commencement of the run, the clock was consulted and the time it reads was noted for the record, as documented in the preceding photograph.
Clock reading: 8:49
